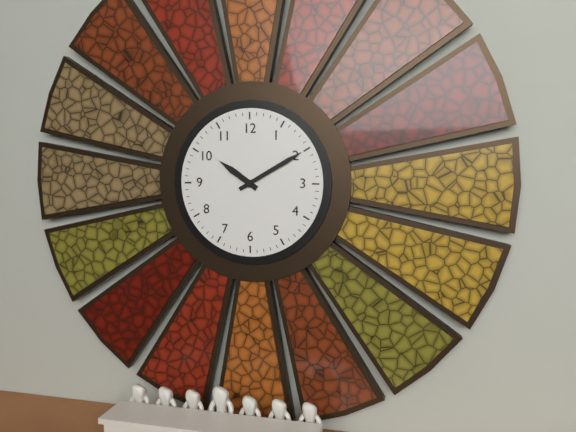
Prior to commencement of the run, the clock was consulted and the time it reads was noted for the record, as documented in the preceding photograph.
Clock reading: 10:10
